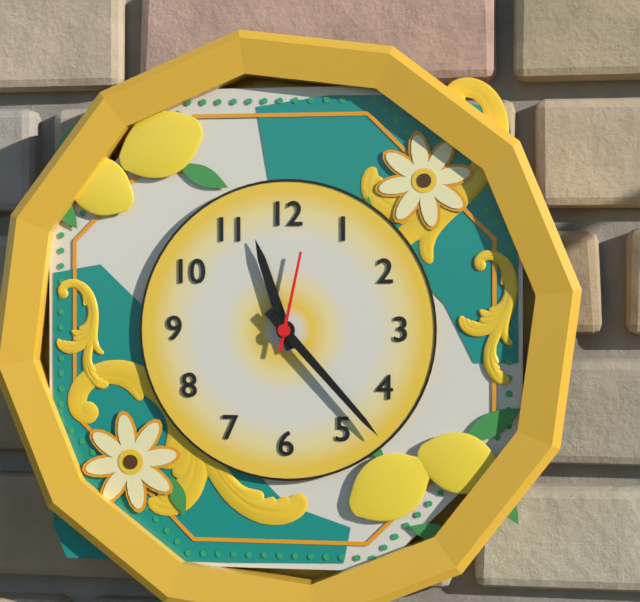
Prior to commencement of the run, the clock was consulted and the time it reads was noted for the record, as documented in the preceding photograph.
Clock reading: 11:23:02
